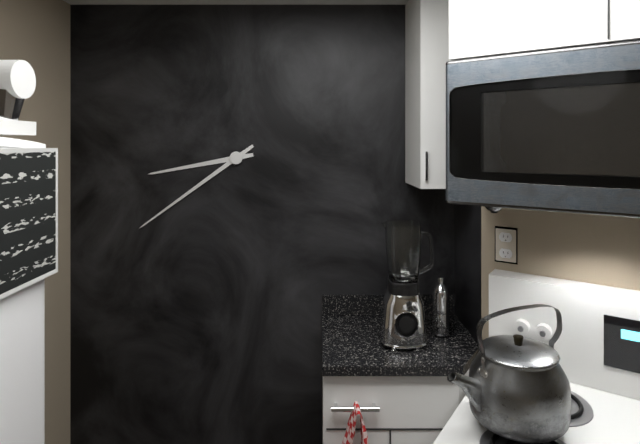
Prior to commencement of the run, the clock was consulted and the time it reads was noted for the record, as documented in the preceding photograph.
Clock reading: 8:39
